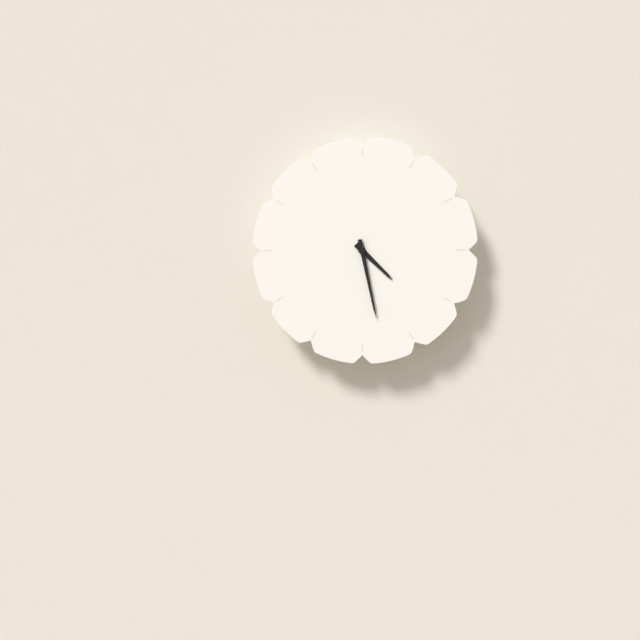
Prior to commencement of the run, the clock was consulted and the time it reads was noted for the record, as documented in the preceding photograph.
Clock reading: 4:28
